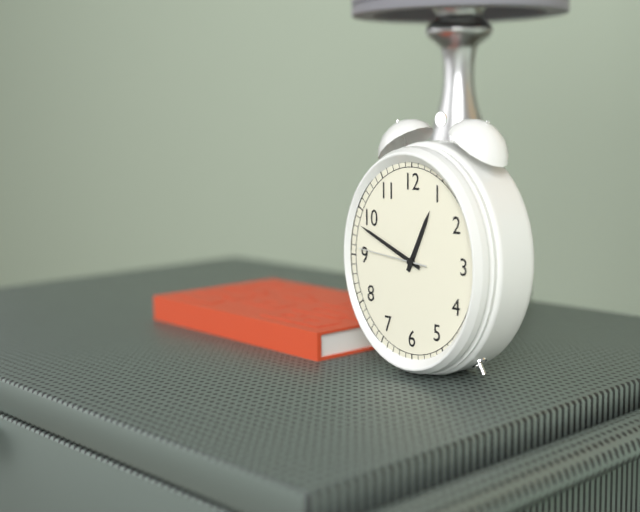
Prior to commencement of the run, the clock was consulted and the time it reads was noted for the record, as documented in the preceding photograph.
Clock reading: 12:49:46
